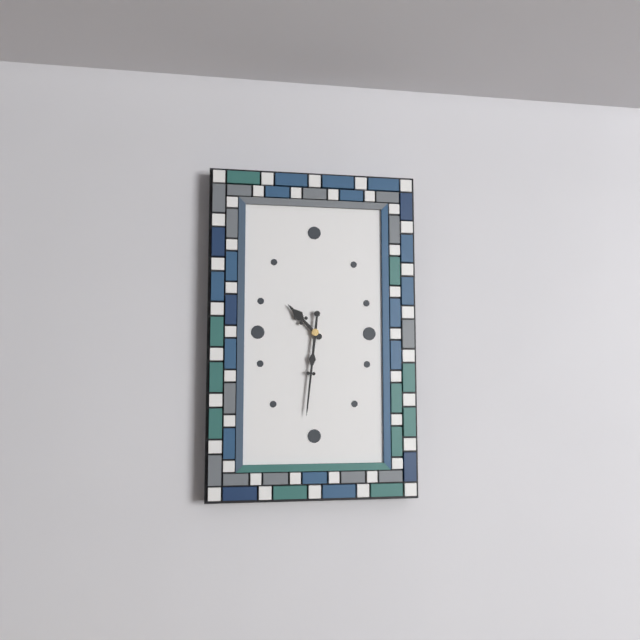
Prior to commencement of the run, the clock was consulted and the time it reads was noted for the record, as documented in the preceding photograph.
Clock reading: 10:31
